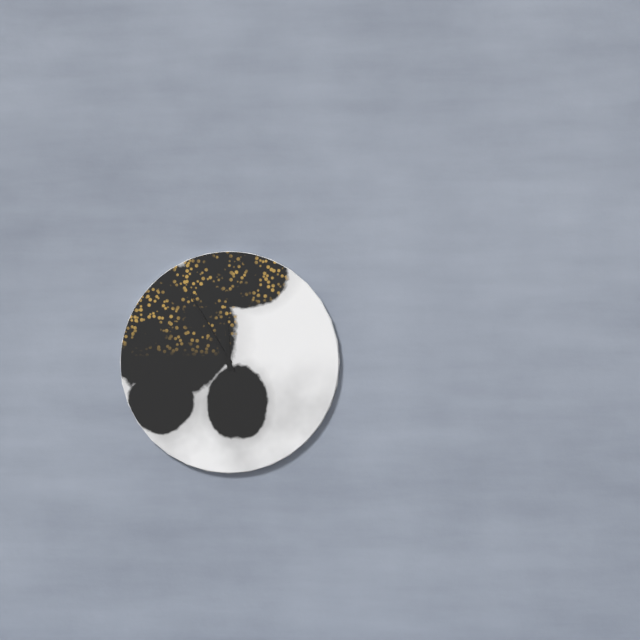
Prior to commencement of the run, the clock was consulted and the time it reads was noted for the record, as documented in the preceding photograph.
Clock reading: 11:55
